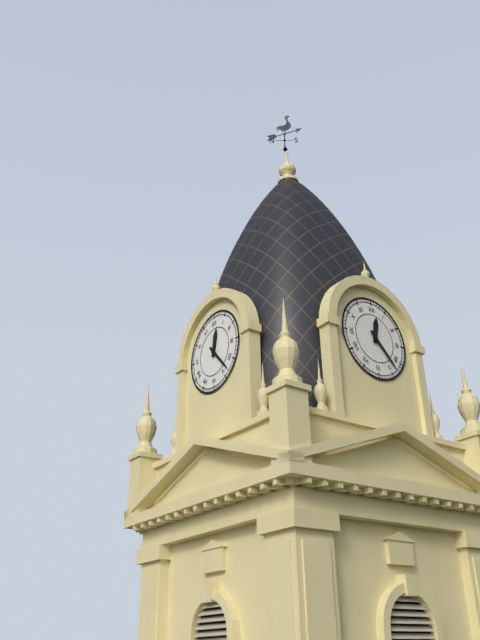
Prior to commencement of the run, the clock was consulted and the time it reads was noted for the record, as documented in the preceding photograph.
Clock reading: 12:23
